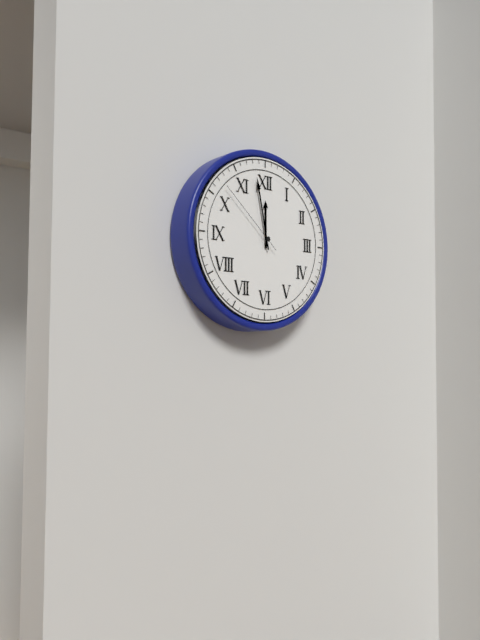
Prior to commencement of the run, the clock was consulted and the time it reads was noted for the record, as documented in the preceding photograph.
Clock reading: 11:58:52
